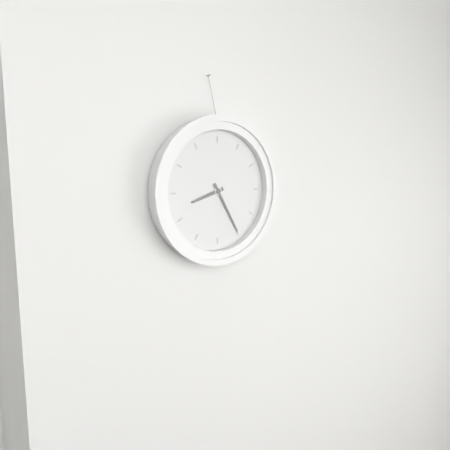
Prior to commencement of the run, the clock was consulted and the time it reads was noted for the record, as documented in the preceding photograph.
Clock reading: 8:25
